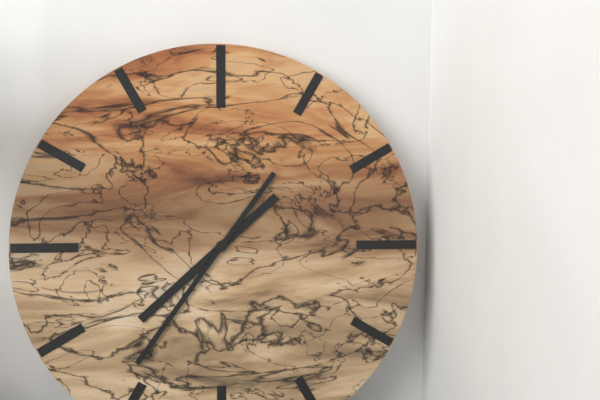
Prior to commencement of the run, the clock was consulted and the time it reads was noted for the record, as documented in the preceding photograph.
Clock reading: 7:36
